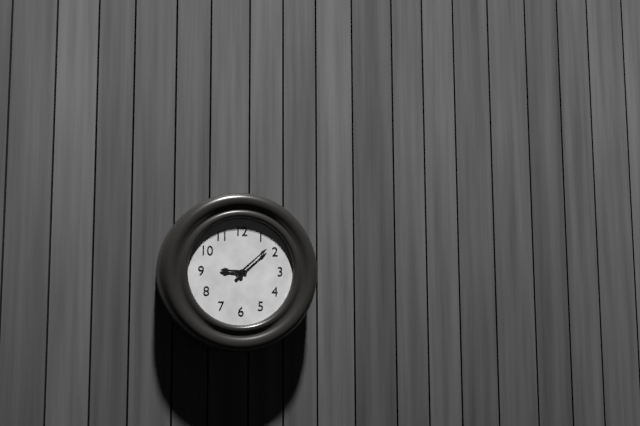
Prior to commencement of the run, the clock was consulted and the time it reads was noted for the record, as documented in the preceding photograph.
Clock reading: 9:08
